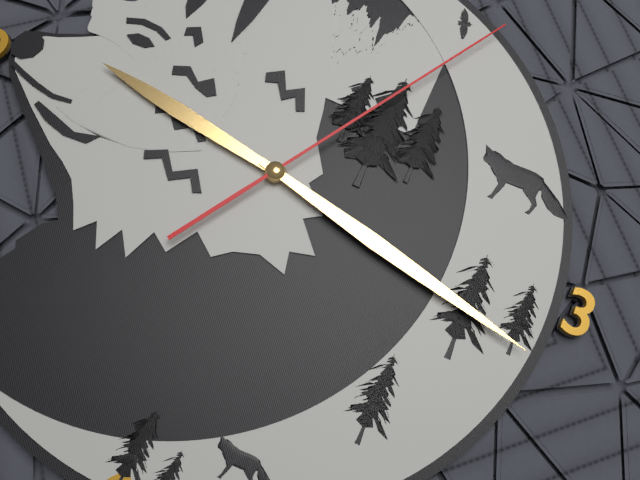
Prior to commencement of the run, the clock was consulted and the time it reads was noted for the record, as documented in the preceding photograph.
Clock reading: 9:17:05
